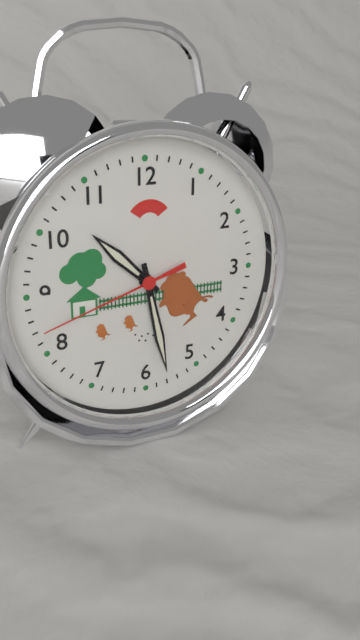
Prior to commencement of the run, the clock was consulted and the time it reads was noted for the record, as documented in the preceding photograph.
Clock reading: 10:28:42
